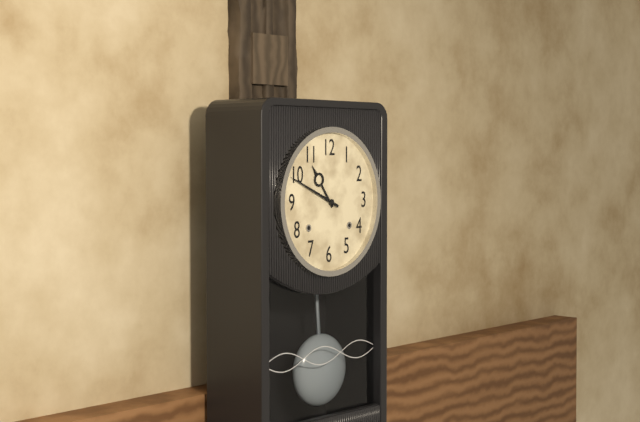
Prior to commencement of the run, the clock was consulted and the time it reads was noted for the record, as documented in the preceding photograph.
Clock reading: 10:49
